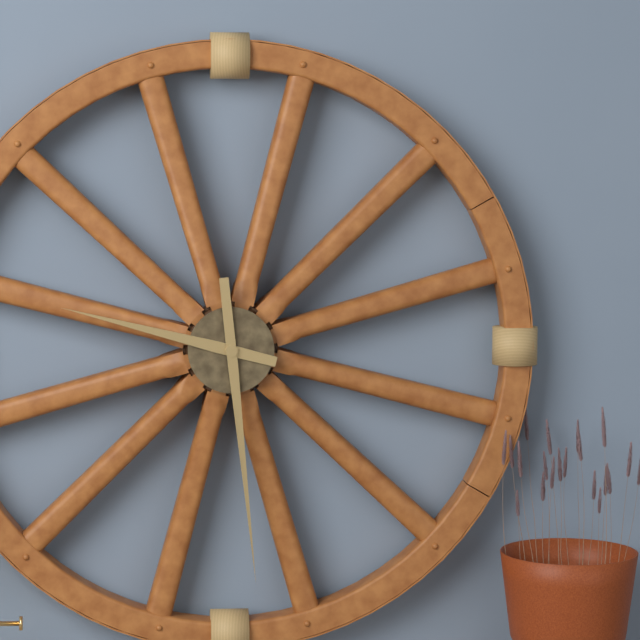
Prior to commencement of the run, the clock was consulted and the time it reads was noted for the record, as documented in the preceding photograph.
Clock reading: 9:29
